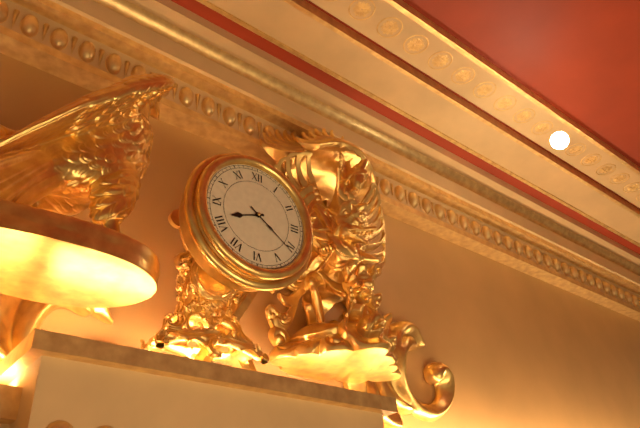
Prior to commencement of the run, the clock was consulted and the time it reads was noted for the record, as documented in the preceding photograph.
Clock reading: 8:21
